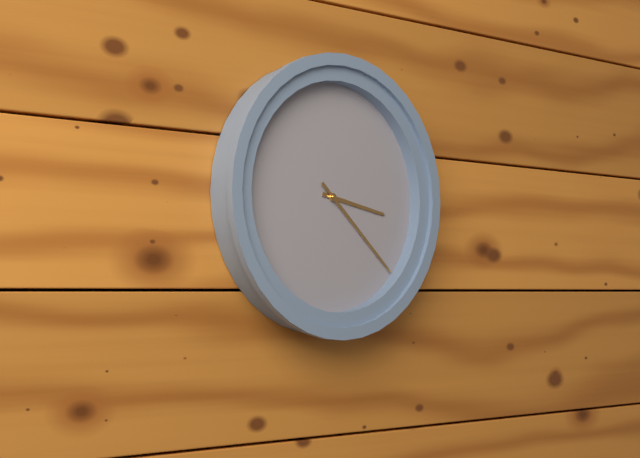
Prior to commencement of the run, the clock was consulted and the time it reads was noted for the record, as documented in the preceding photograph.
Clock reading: 3:22
